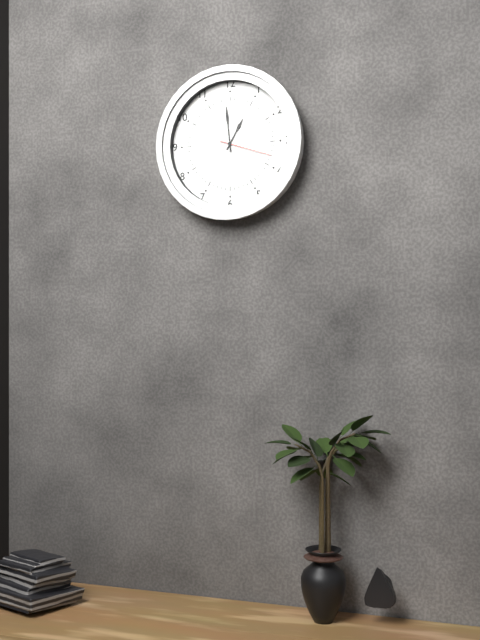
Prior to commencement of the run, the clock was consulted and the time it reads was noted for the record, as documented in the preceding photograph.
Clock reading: 12:59:18
